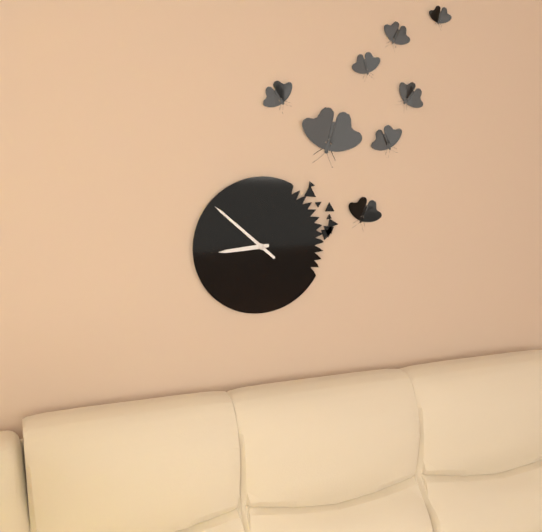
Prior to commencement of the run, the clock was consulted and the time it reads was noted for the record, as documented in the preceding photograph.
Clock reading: 8:52
